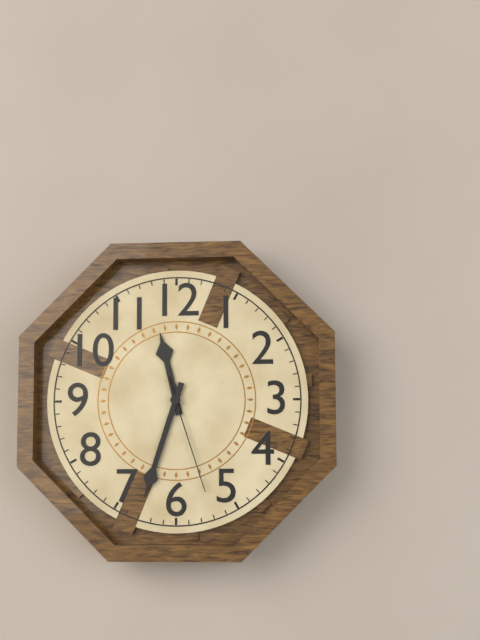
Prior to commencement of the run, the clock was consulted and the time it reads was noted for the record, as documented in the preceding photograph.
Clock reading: 11:33:27
